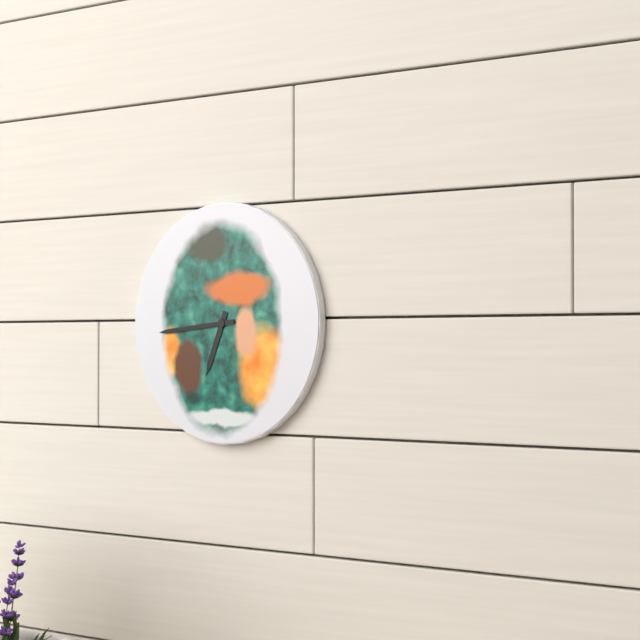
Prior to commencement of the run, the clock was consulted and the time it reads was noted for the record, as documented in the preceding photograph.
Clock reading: 6:44
